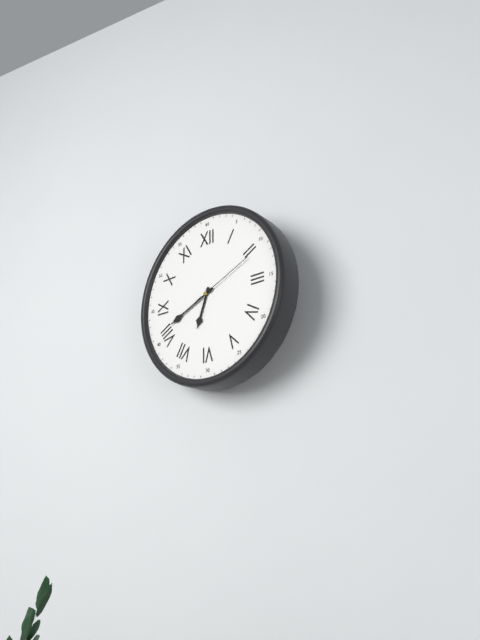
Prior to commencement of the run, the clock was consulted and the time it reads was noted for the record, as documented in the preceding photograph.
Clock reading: 6:41:11
